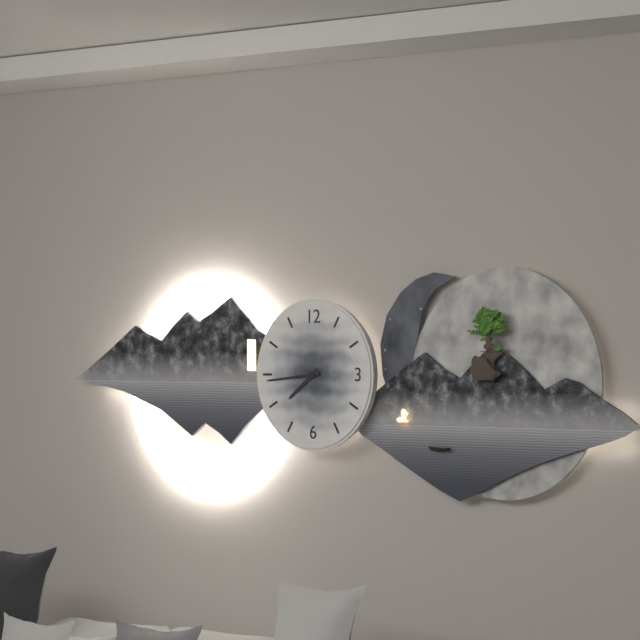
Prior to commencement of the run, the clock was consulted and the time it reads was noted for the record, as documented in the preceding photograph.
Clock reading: 7:44
